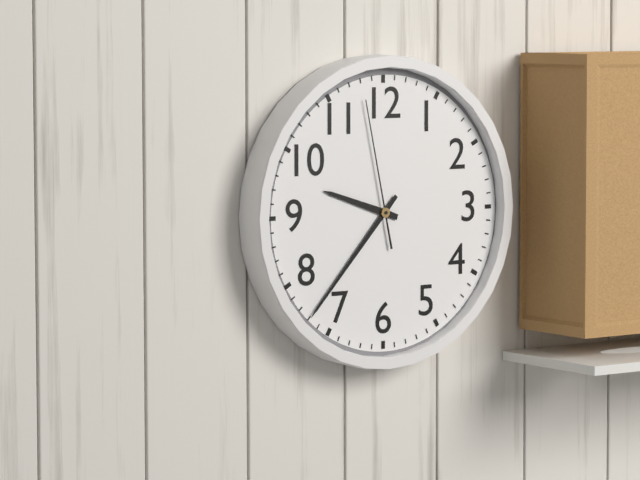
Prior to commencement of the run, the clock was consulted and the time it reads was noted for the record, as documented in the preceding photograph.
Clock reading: 9:37:58
